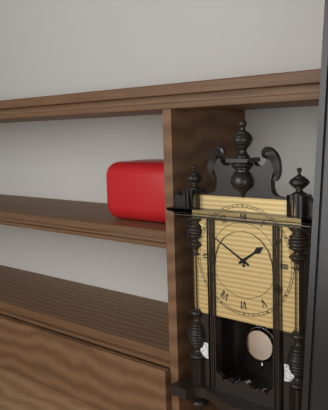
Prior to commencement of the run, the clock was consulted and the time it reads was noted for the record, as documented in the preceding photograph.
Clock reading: 1:50
